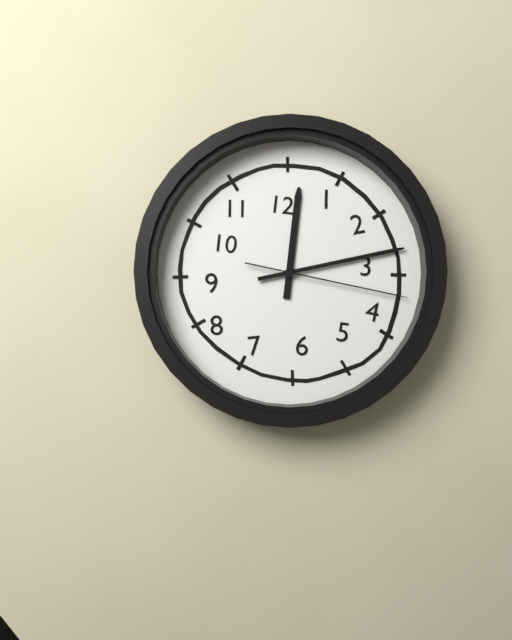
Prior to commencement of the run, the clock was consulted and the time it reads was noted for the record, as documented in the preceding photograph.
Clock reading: 12:13:17
